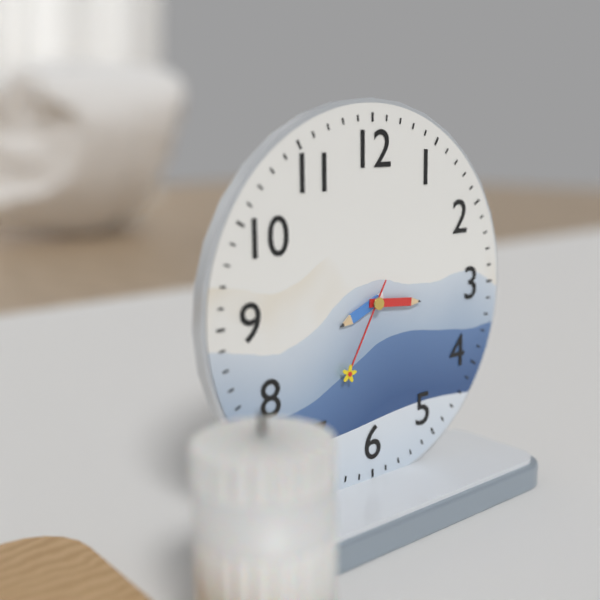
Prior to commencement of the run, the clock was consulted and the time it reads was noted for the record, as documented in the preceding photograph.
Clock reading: 8:16:35
